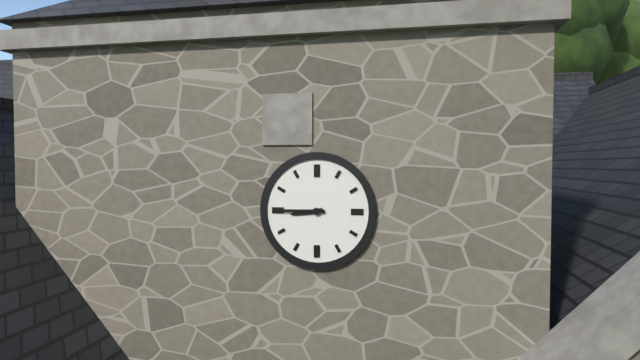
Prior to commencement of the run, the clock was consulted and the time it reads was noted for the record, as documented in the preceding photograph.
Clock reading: 8:45
